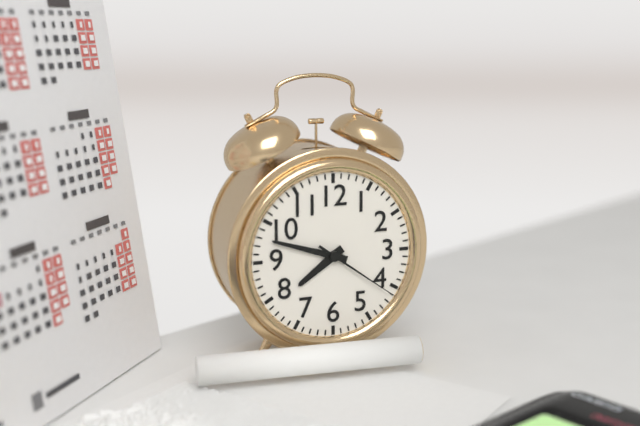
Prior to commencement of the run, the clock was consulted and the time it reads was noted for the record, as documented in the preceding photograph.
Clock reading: 7:48:21
